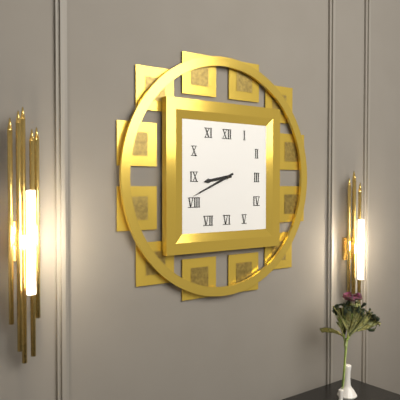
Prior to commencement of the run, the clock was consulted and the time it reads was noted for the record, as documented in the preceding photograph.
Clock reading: 8:41
